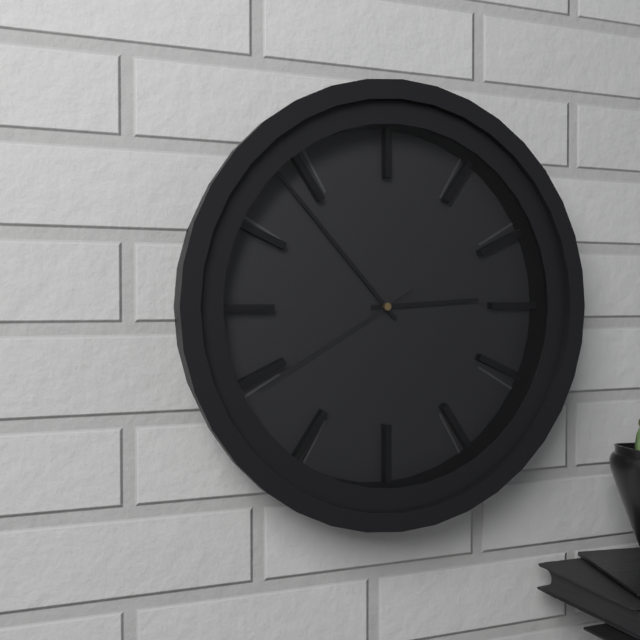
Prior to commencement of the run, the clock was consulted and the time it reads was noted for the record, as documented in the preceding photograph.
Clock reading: 2:53:40
